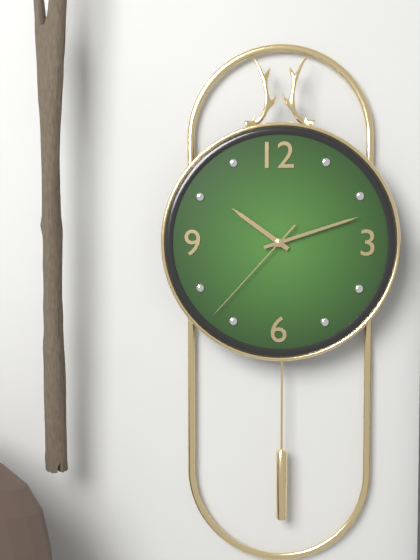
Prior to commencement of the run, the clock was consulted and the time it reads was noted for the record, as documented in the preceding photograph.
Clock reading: 10:12:37
